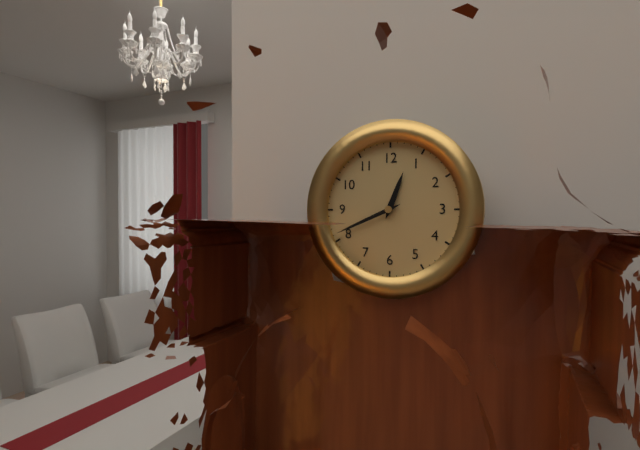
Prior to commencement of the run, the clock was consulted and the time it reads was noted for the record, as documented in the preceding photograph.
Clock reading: 12:41
